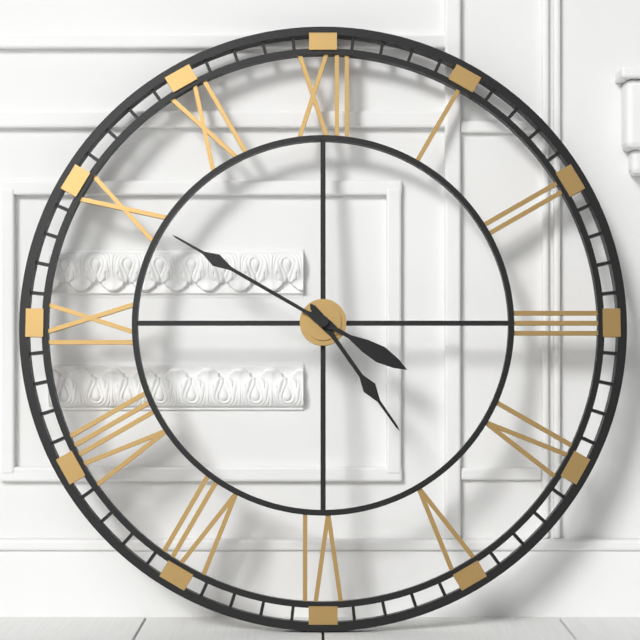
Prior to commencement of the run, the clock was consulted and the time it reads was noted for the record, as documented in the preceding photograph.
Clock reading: 4:50
